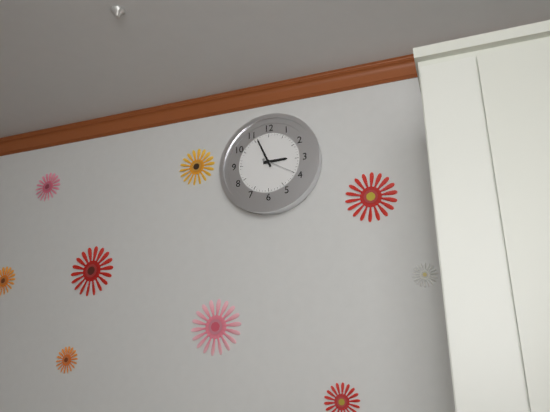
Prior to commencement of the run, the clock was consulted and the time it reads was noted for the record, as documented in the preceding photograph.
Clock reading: 2:56
